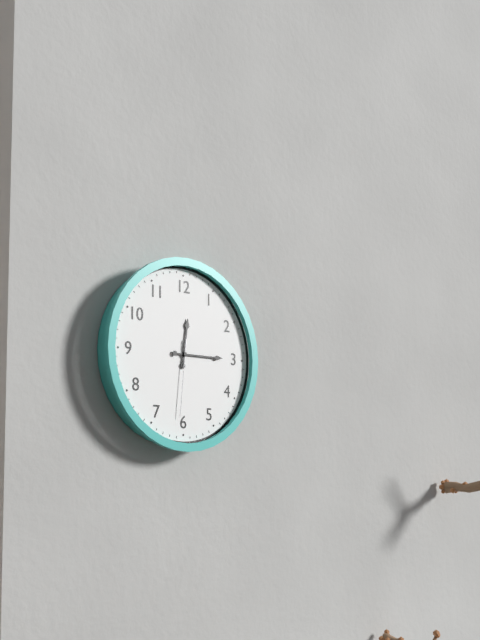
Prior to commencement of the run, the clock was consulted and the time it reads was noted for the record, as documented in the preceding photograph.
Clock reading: 12:15:31
